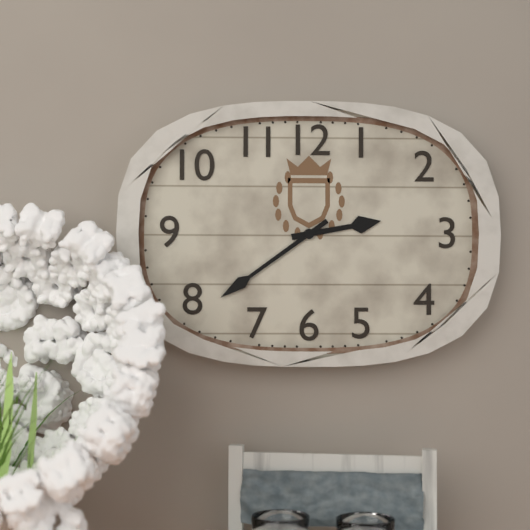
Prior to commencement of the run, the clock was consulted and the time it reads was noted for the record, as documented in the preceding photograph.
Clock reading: 2:39
